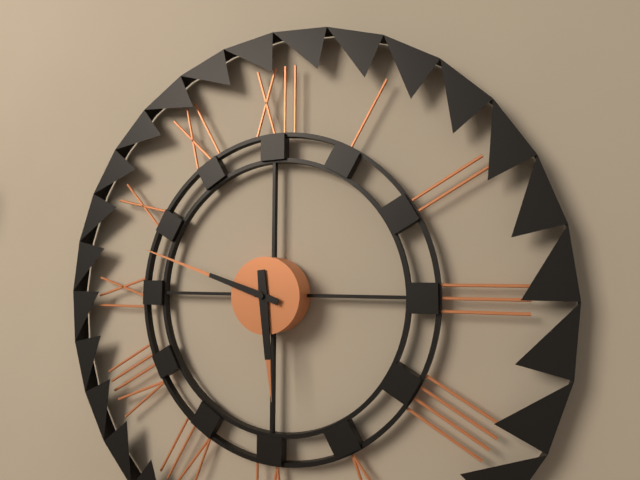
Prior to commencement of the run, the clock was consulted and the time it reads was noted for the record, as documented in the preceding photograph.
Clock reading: 5:48
